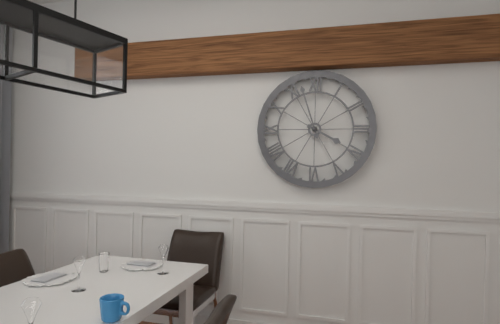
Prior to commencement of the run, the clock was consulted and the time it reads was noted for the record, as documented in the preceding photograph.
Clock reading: 3:57
